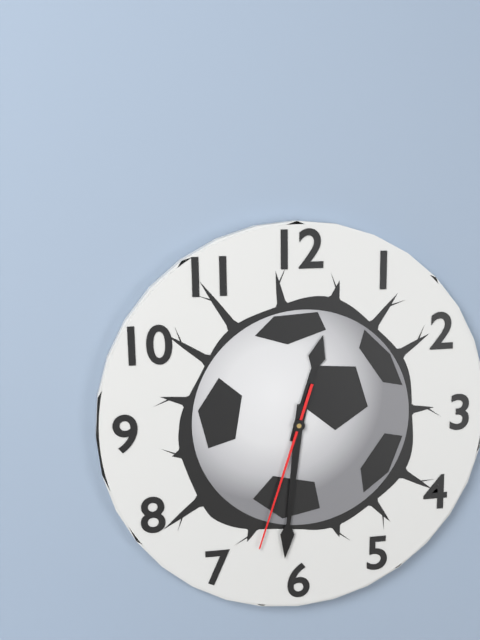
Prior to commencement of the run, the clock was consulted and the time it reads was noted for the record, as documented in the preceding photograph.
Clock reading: 12:31:33
